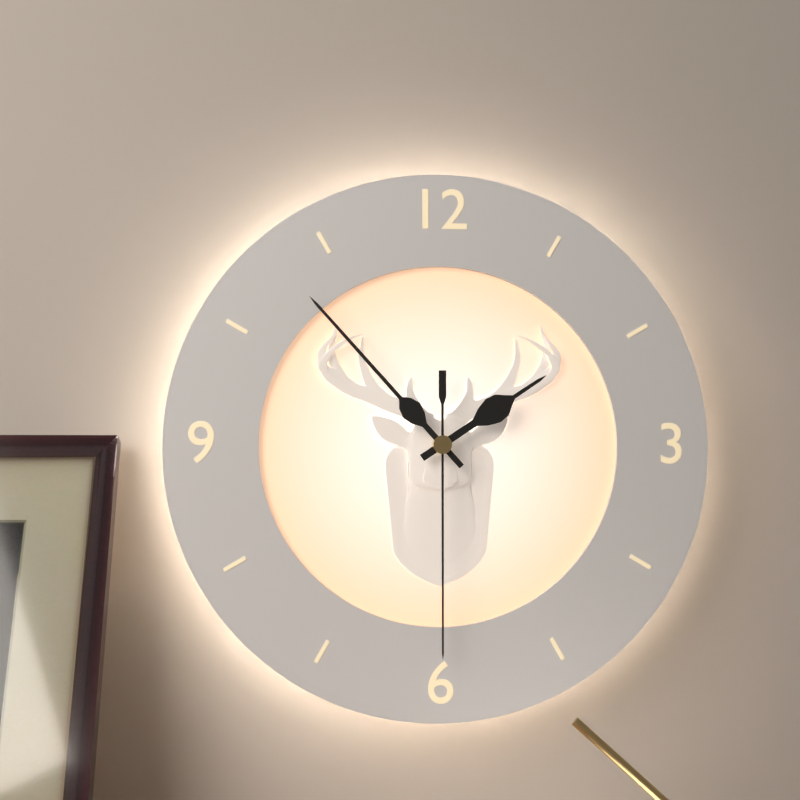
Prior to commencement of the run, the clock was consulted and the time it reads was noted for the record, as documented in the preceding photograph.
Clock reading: 1:53:30
